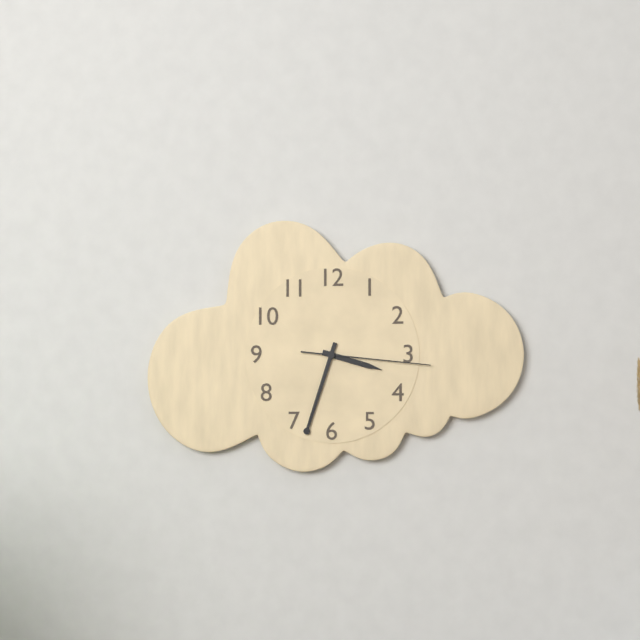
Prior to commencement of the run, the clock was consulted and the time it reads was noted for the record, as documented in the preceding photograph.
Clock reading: 3:33:16
